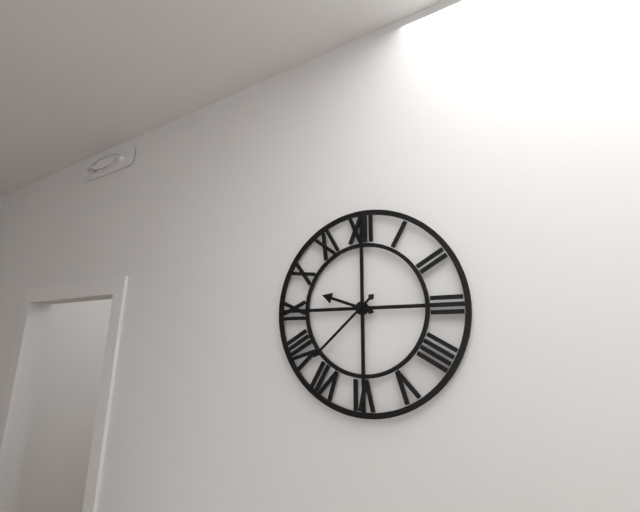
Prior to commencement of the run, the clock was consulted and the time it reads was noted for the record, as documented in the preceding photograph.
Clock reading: 9:38
